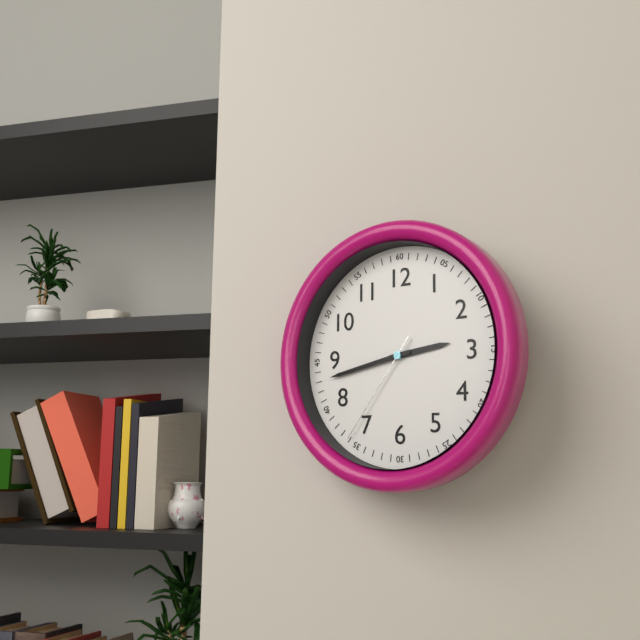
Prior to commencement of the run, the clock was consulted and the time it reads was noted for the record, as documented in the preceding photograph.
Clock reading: 2:43:36
